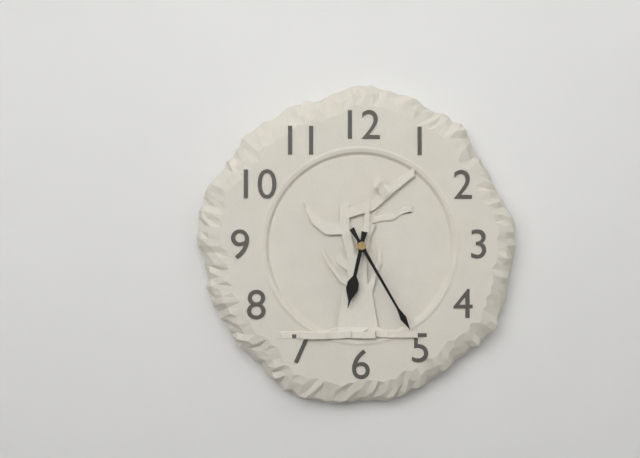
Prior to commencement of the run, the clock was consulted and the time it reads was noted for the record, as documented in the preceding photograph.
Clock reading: 6:25
